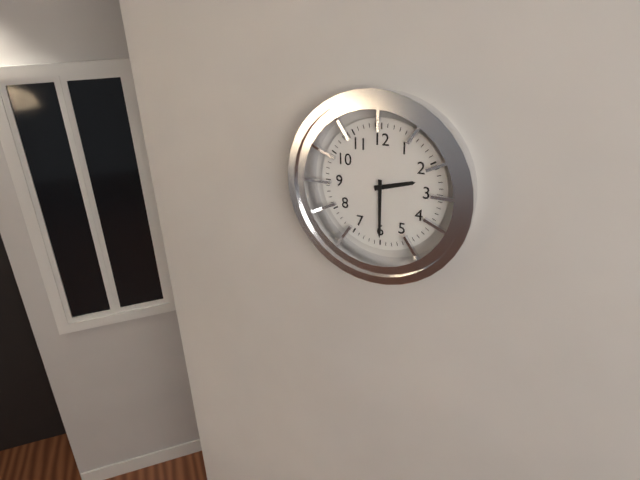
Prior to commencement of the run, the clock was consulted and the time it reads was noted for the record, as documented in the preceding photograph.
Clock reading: 2:30
